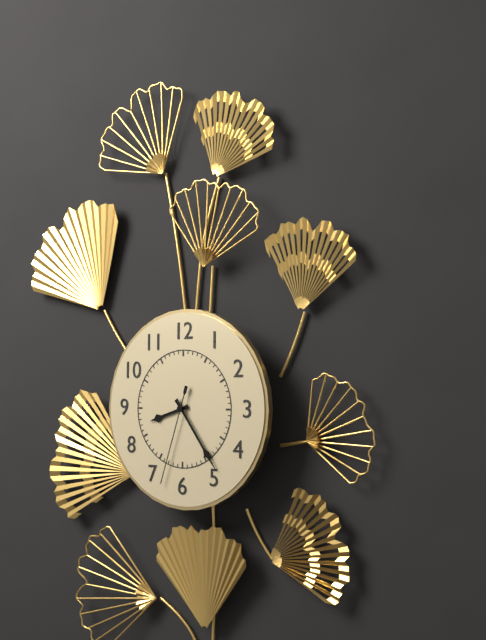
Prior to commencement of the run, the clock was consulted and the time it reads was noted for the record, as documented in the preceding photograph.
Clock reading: 8:24:33
